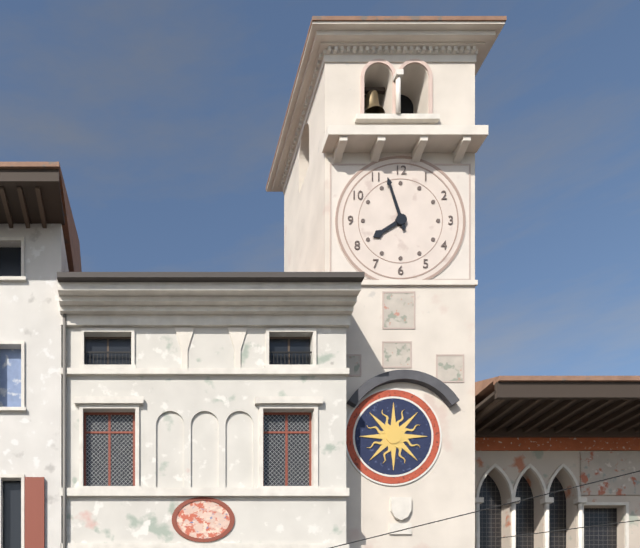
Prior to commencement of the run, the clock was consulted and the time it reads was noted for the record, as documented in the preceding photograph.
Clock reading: 7:57
